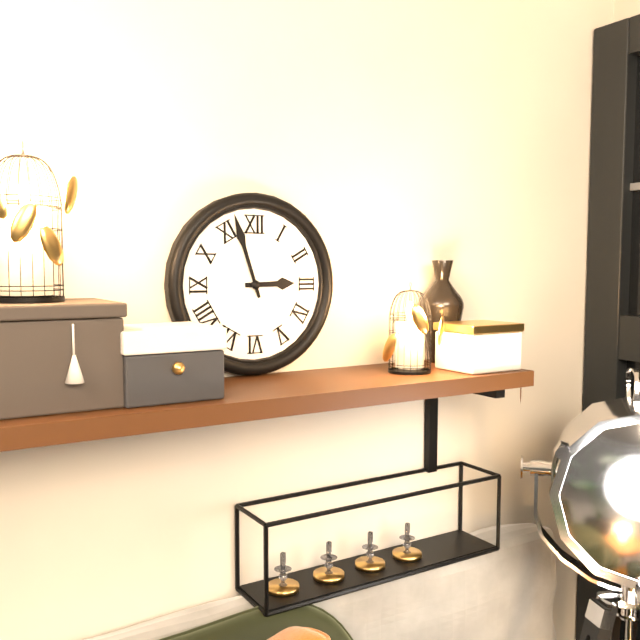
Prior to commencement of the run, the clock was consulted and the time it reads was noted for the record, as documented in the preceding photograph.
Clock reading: 2:57
